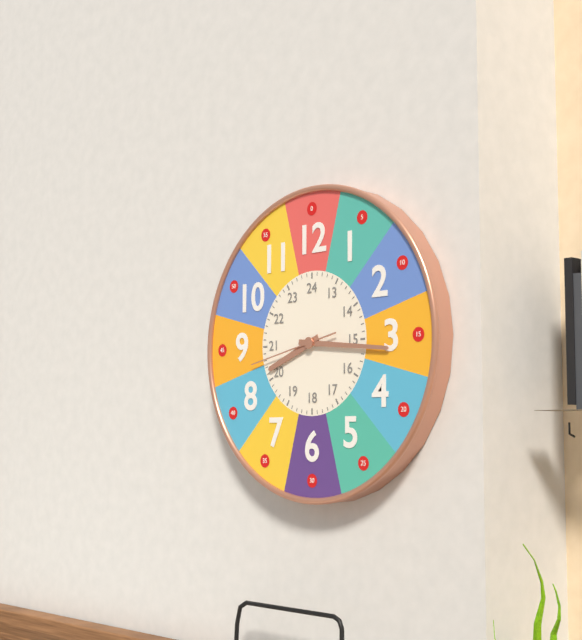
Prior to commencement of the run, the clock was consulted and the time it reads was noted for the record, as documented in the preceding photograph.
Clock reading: 8:16:43
